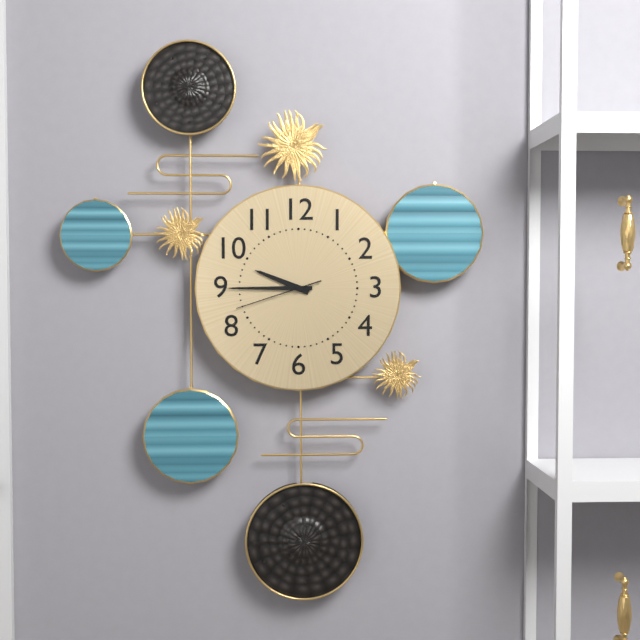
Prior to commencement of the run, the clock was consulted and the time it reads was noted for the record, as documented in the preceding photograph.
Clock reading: 9:45:42
